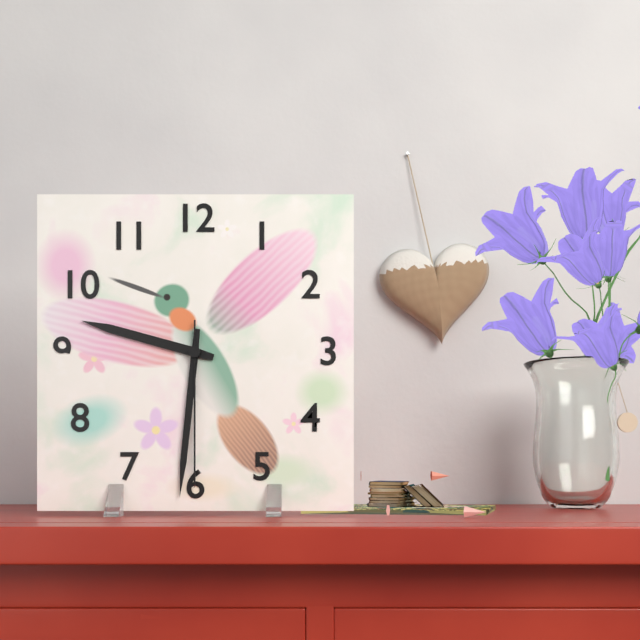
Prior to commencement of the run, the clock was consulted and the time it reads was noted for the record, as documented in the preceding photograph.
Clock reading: 9:31:30
